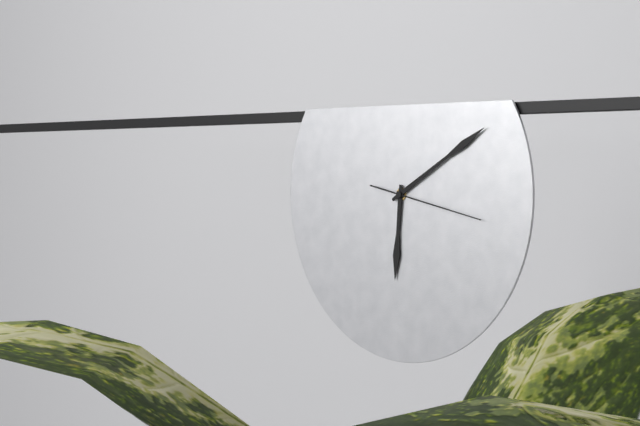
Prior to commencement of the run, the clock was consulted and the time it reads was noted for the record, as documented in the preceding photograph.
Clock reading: 6:10:17
